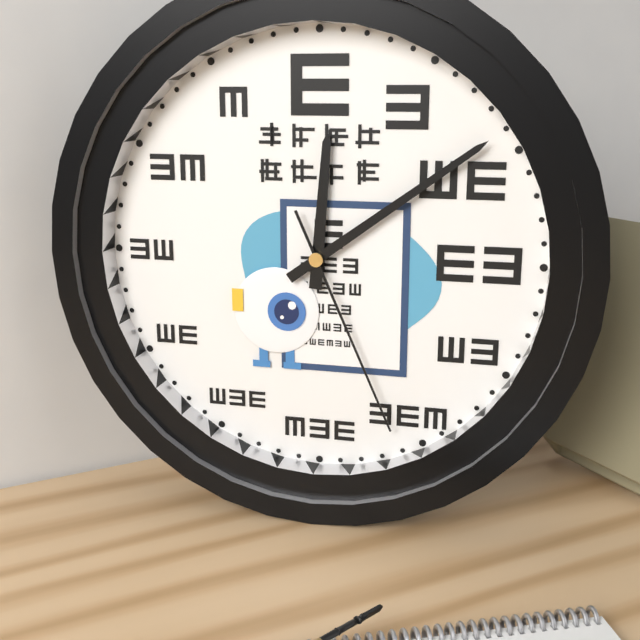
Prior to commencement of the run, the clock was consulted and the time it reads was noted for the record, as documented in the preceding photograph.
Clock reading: 12:09:26
